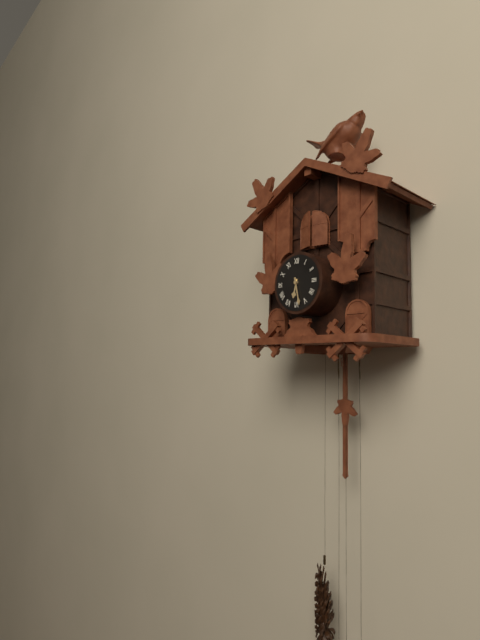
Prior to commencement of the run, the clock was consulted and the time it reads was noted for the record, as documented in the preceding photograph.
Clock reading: 6:28
